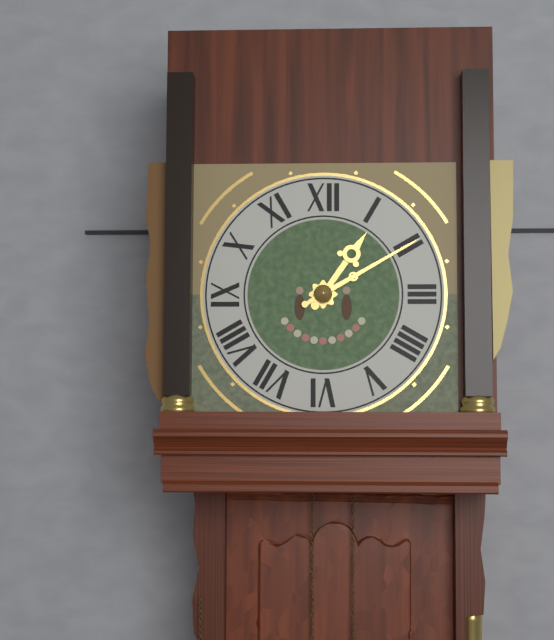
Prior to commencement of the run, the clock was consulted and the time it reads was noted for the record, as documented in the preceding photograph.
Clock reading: 1:10
